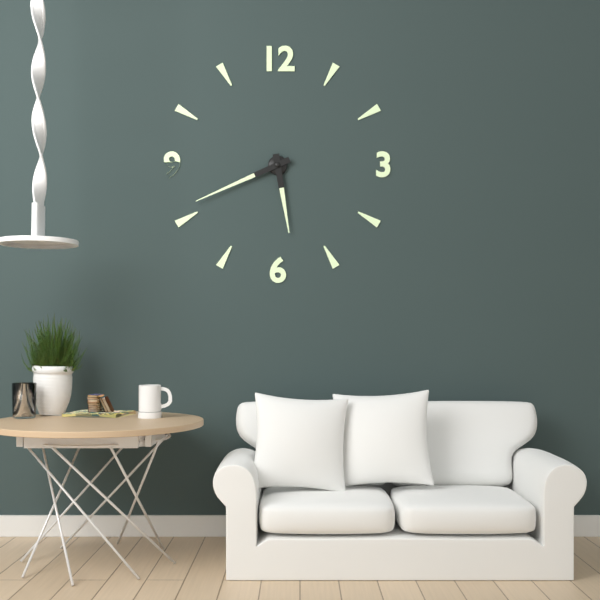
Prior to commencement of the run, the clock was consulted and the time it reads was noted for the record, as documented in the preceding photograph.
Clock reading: 5:41
